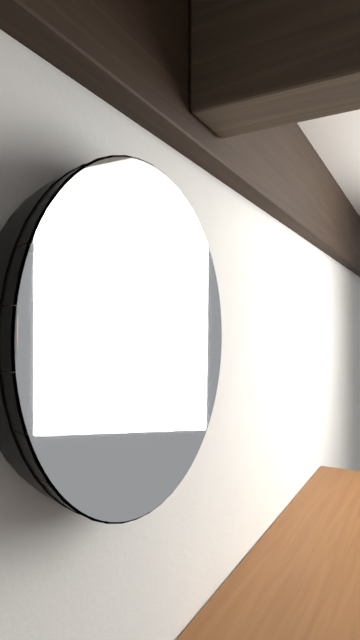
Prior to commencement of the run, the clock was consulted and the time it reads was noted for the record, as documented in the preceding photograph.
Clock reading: 9:47
